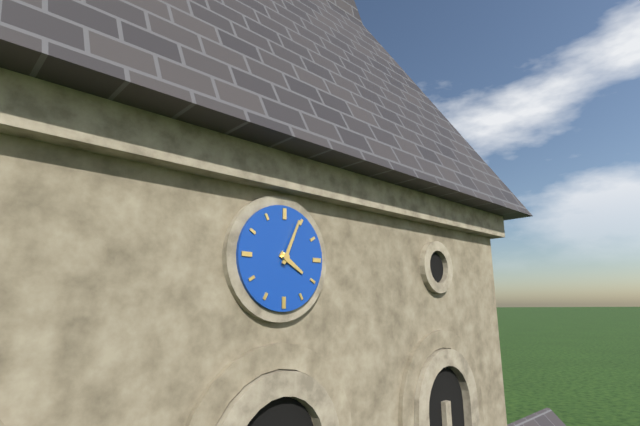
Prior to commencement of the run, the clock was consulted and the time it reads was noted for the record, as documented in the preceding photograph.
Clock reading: 4:04
